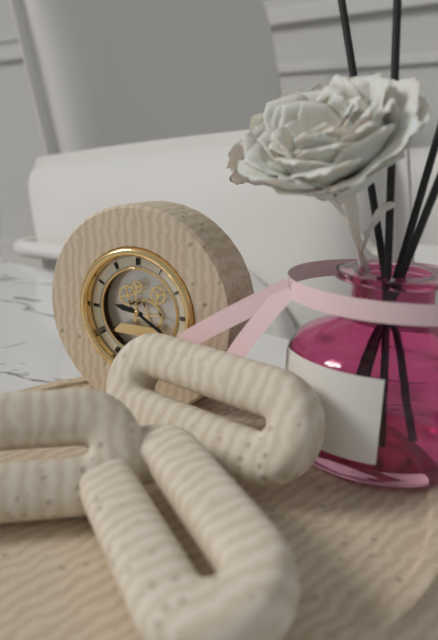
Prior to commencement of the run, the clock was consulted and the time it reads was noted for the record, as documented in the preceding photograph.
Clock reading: 9:20
